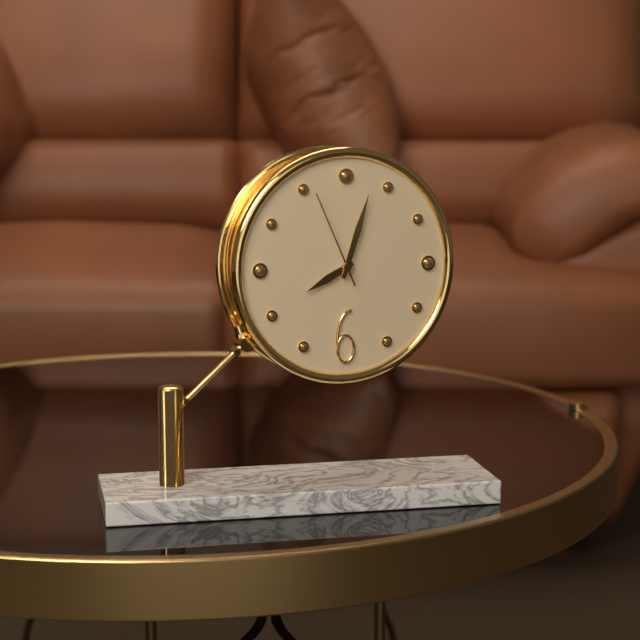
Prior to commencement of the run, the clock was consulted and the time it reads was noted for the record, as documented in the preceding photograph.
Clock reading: 8:03:56
